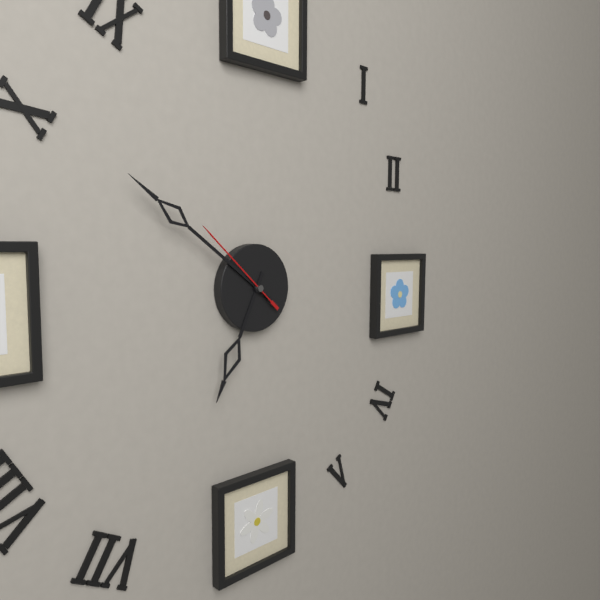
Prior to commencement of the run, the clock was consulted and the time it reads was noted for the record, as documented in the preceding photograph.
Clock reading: 6:51:52
